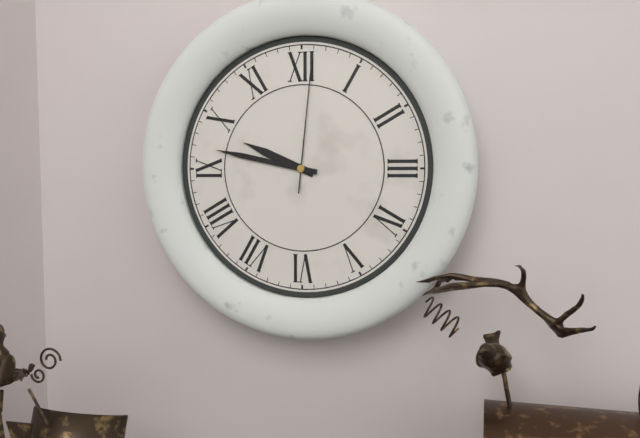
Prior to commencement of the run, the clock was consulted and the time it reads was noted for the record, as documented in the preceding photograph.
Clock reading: 9:47:01
